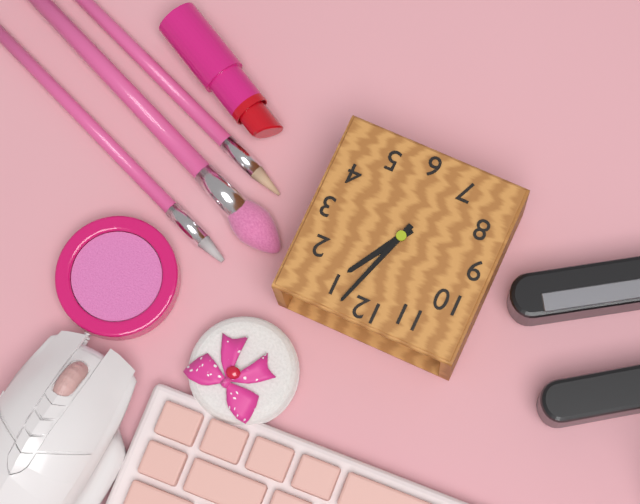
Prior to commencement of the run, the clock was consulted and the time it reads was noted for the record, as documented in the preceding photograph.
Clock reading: 1:03
